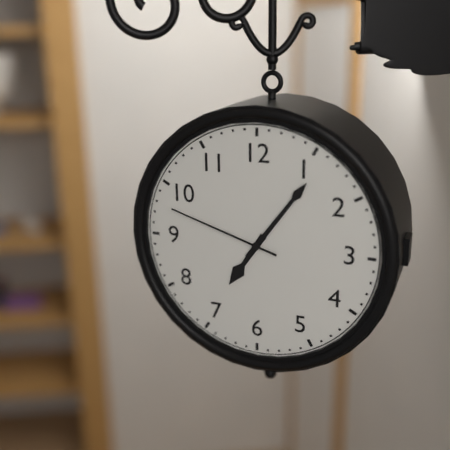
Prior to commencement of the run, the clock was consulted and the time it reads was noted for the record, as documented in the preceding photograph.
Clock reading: 7:06:48
